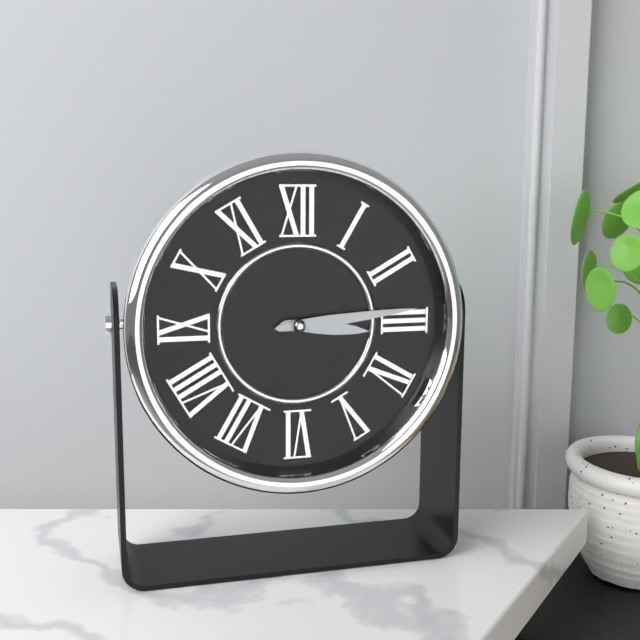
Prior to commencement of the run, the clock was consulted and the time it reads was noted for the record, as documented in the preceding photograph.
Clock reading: 3:14
